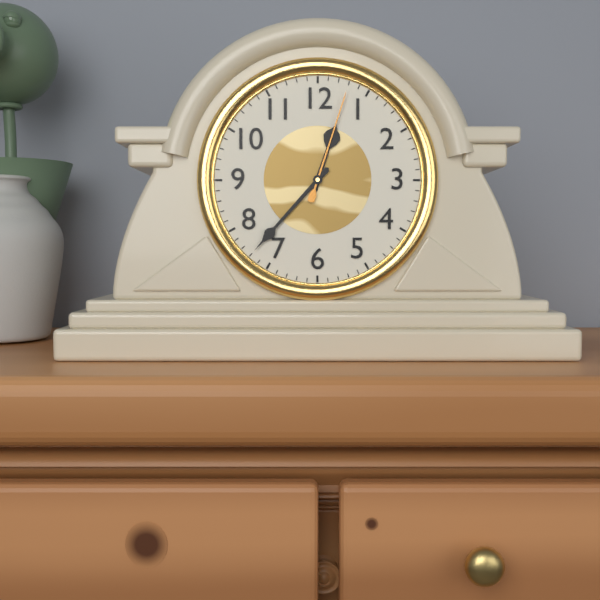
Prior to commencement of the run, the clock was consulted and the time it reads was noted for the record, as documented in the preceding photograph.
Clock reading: 12:37:03
